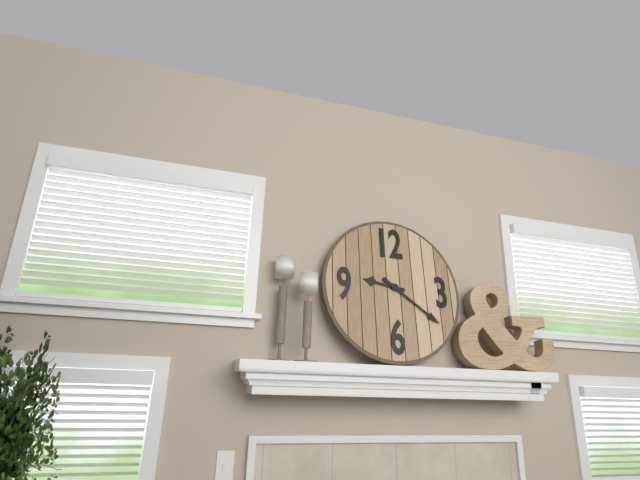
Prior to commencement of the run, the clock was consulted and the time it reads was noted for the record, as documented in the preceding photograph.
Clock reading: 9:21
